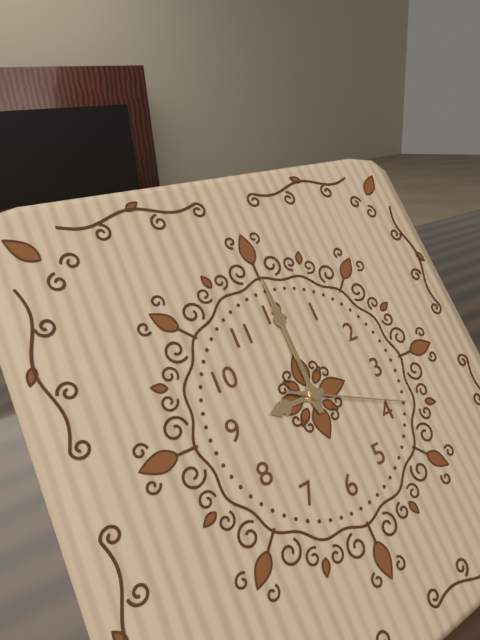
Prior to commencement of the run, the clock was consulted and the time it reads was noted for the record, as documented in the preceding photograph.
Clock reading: 9:00:19
